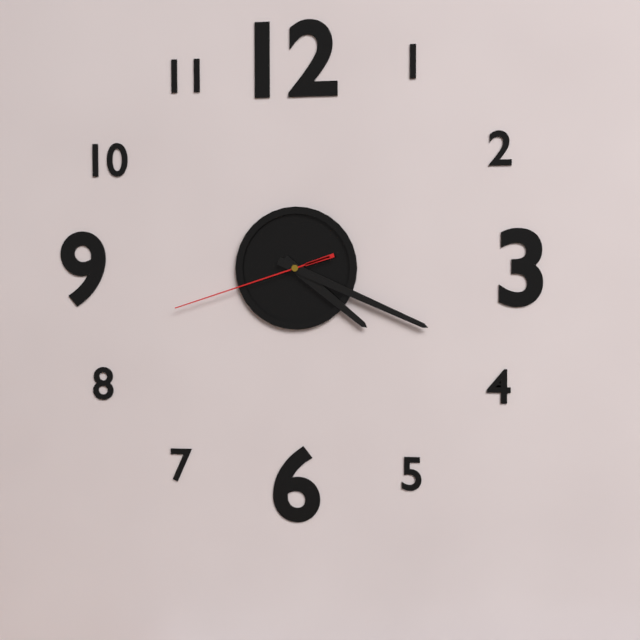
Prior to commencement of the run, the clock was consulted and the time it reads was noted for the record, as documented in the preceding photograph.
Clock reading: 4:19:42
